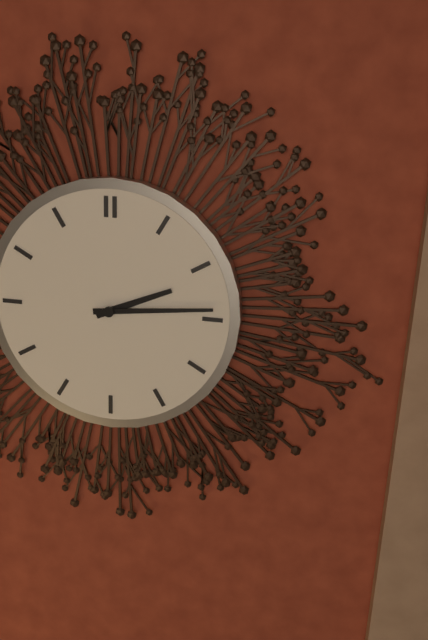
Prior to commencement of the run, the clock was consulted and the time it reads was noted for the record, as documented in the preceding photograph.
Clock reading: 2:14
